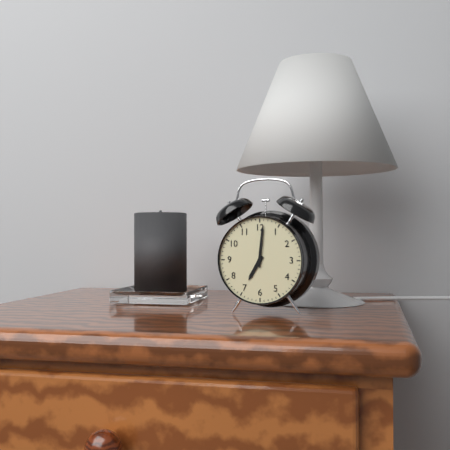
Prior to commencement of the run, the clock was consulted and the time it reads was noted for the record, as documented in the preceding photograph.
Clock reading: 7:01
